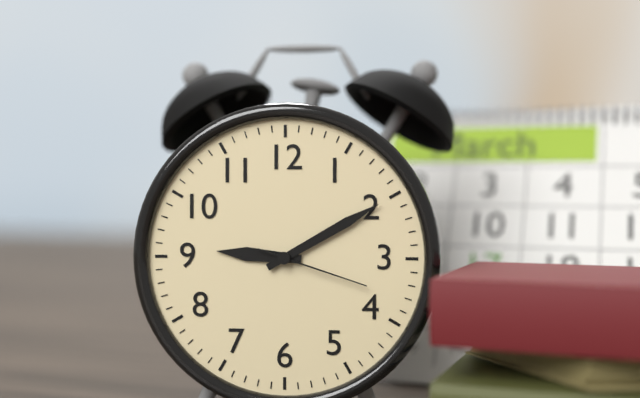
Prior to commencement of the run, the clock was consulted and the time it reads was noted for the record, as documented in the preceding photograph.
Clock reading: 9:10:18
